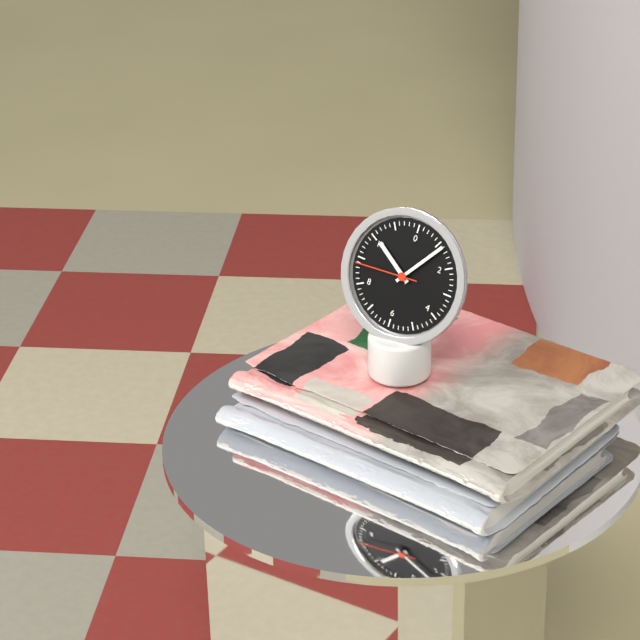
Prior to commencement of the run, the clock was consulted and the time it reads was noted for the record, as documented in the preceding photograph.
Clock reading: 10:06:44
